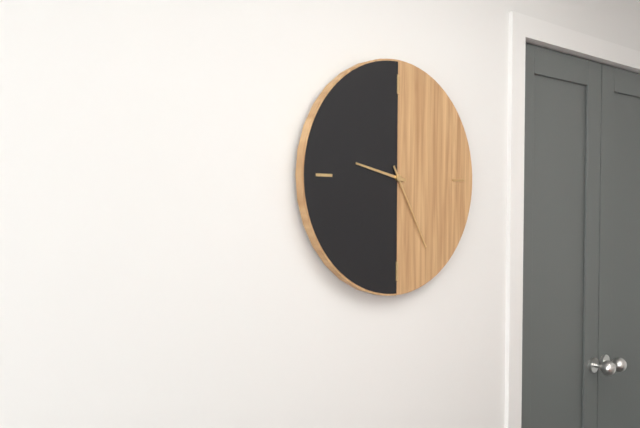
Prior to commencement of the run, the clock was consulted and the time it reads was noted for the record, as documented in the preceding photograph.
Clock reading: 9:25
